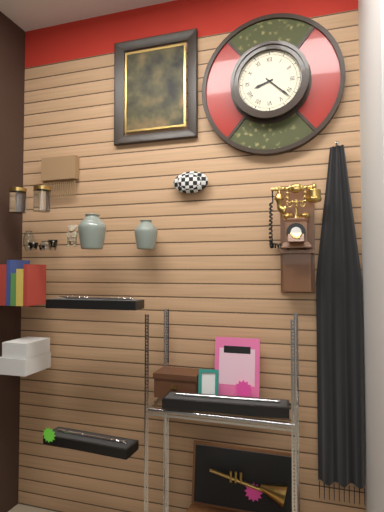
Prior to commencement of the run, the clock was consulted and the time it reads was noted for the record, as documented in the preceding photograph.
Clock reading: 8:22
